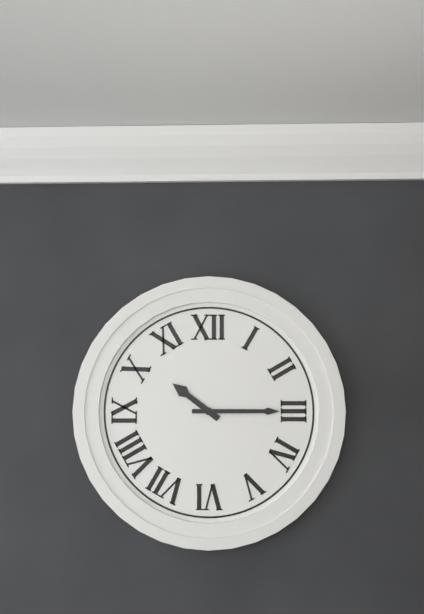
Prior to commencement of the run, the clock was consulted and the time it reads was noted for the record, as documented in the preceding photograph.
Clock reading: 10:15
